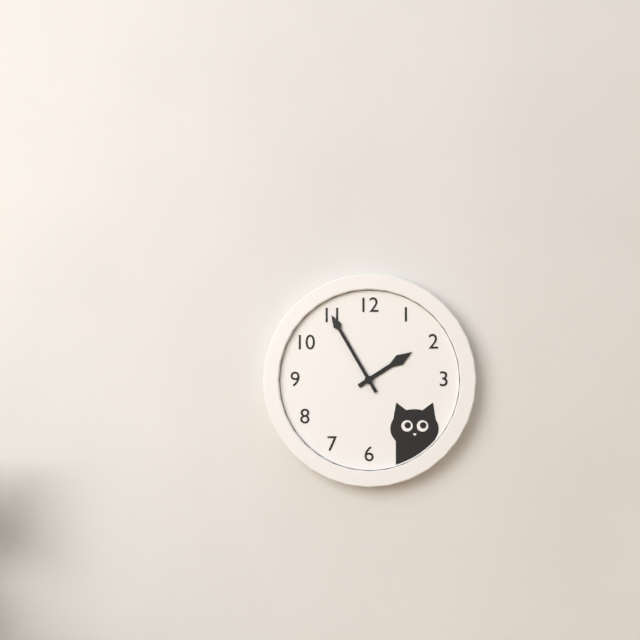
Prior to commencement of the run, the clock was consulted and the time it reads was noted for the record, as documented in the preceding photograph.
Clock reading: 1:55
